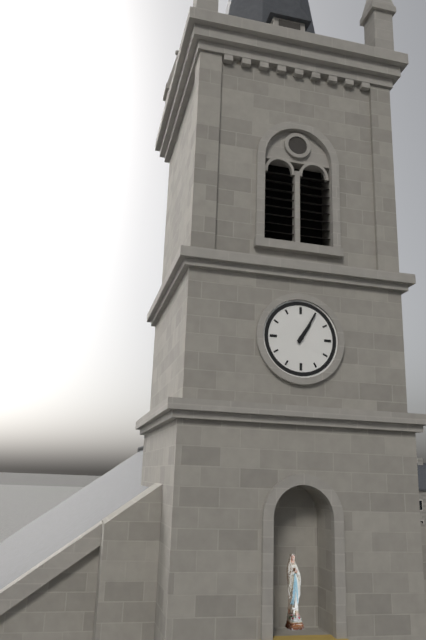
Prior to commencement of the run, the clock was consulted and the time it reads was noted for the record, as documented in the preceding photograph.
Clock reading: 1:05
